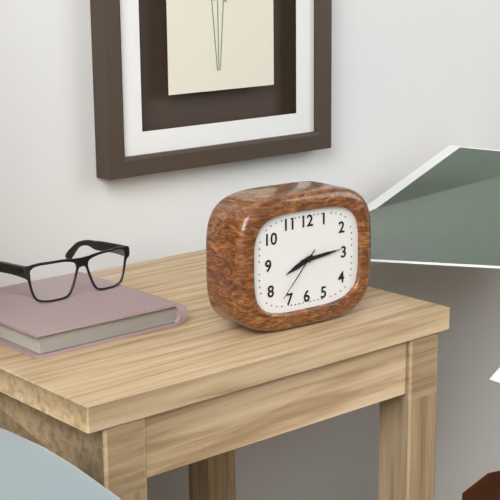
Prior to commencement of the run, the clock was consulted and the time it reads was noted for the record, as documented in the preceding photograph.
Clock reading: 8:14:37
